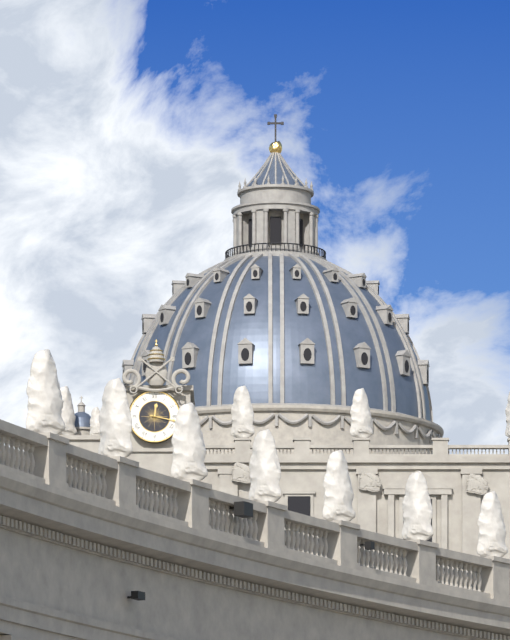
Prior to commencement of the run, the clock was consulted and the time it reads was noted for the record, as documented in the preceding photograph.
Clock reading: 12:17
